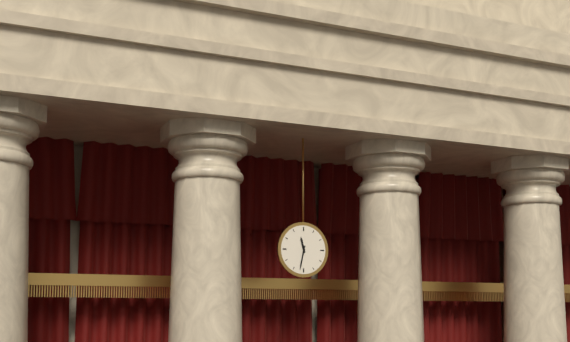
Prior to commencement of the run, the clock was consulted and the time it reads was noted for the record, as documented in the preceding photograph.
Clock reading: 11:32
